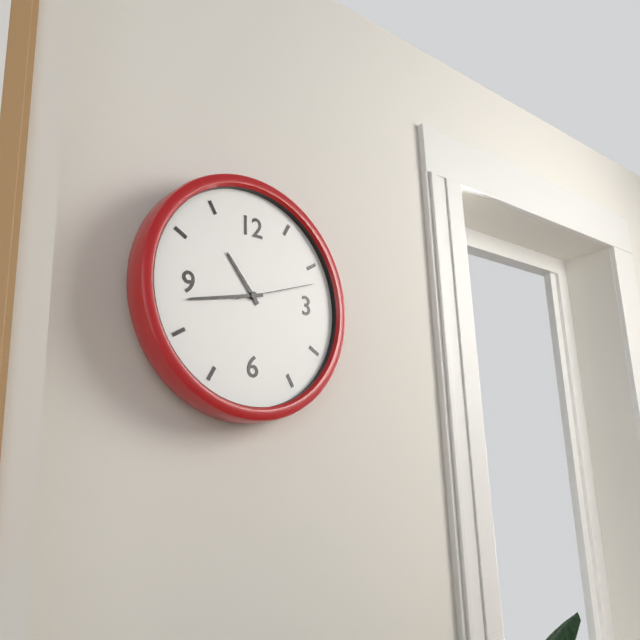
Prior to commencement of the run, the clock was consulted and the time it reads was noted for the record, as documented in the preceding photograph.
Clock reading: 10:43:12
